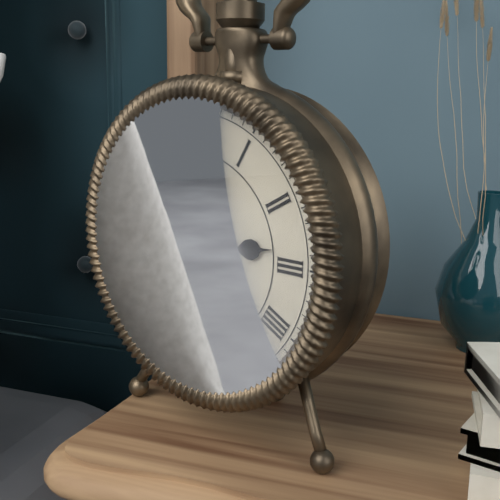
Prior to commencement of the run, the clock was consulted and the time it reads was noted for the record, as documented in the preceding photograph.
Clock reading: 2:44
